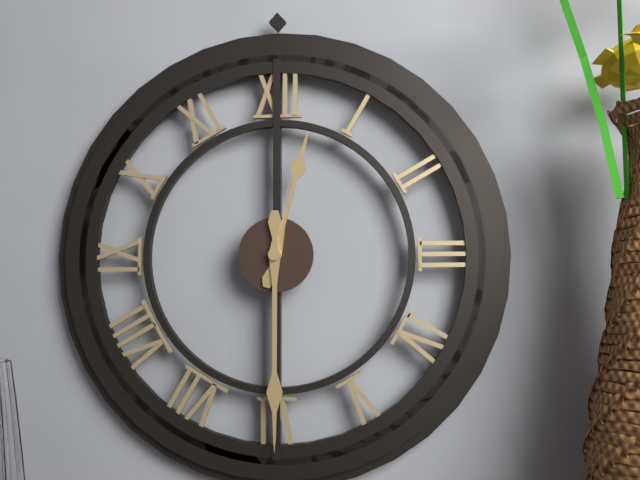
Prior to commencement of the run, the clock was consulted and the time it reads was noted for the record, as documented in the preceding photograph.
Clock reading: 12:30
